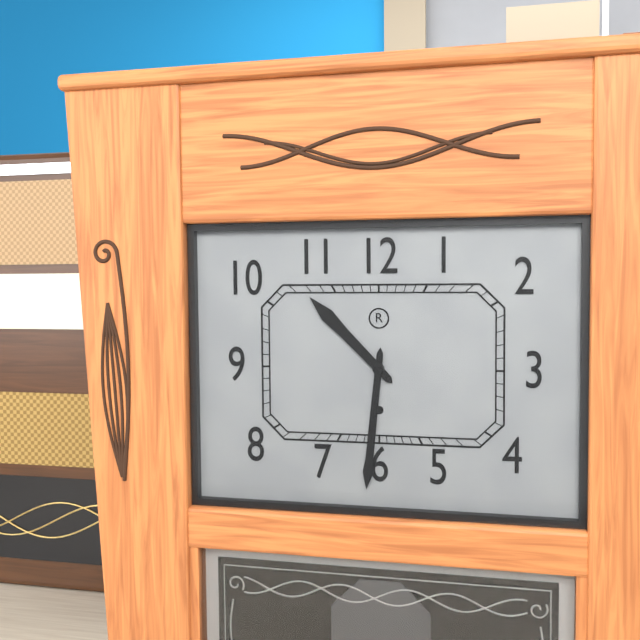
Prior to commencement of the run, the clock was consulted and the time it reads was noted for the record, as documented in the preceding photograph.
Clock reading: 10:31
